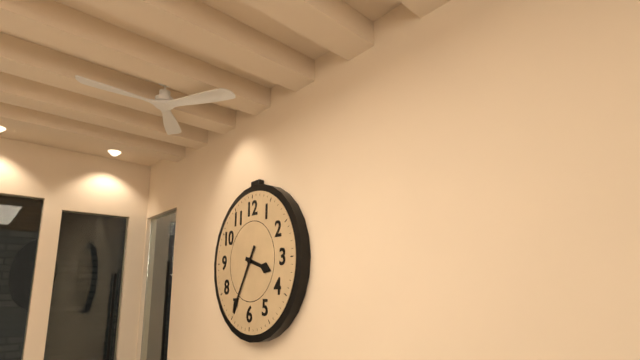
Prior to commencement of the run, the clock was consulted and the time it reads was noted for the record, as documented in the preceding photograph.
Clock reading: 3:35
